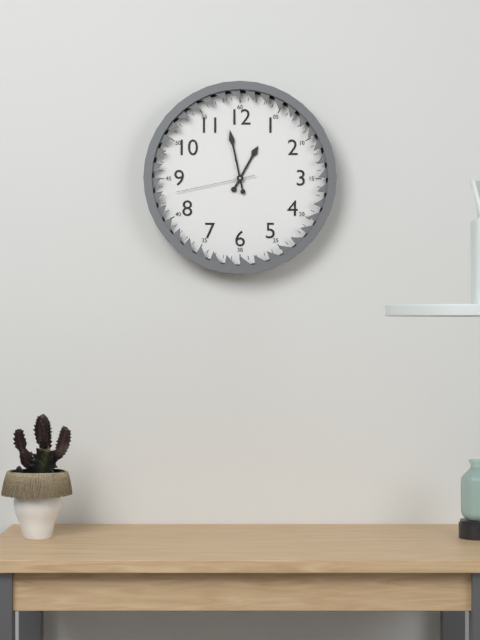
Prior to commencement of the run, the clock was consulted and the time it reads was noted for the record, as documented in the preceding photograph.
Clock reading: 12:58:43
